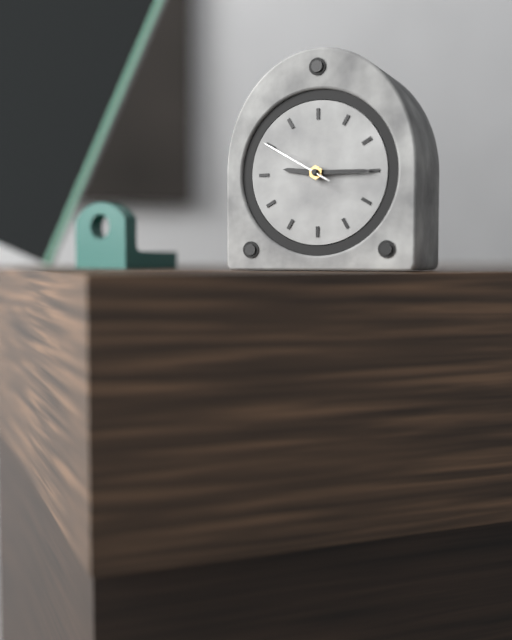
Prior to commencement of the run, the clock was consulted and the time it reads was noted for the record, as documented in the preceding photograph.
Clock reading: 9:15:50
